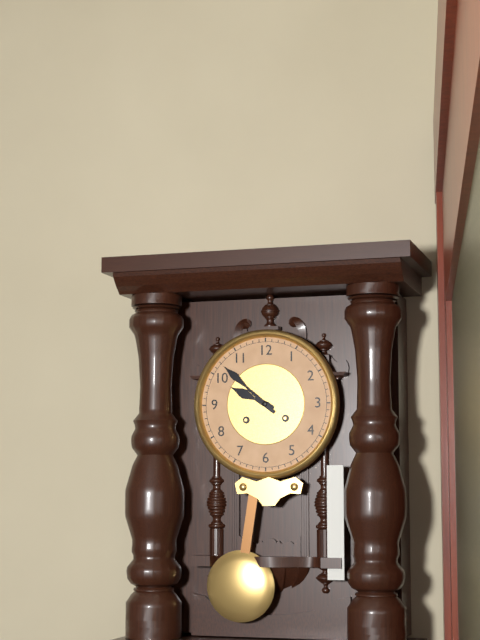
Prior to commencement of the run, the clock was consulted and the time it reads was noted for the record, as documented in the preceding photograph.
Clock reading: 9:52
